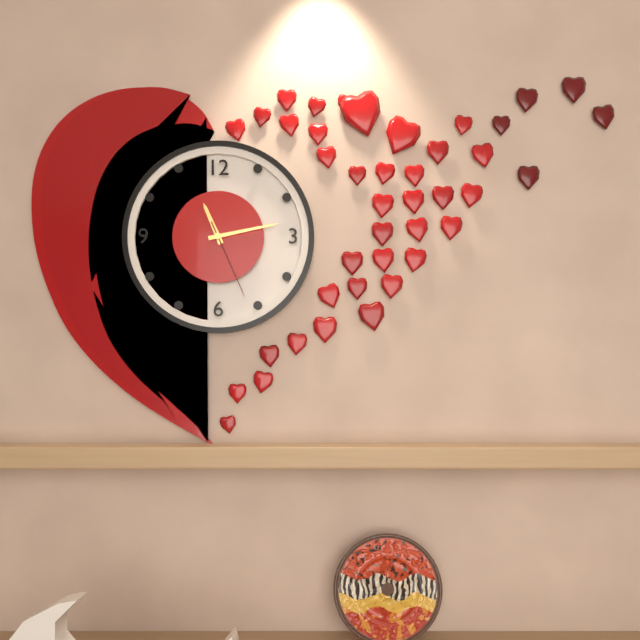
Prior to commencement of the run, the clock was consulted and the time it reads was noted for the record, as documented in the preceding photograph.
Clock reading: 11:13:26
